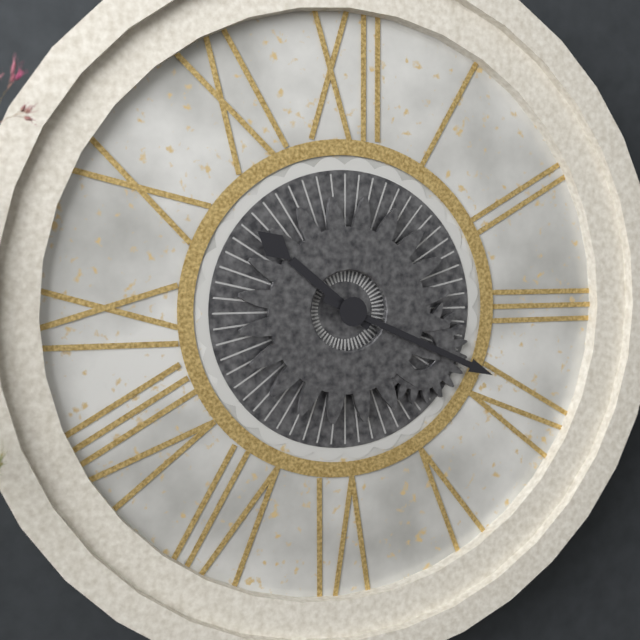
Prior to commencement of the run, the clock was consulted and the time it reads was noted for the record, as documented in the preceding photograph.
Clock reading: 10:19
